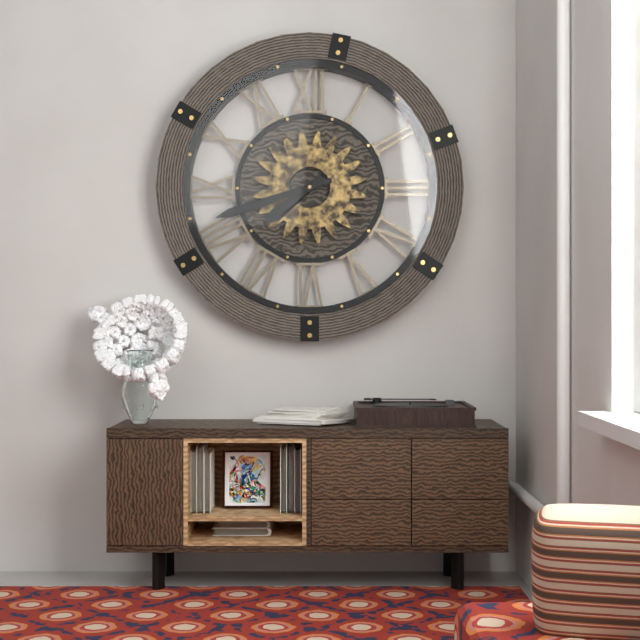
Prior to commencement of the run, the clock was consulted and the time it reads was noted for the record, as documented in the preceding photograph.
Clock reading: 7:42
